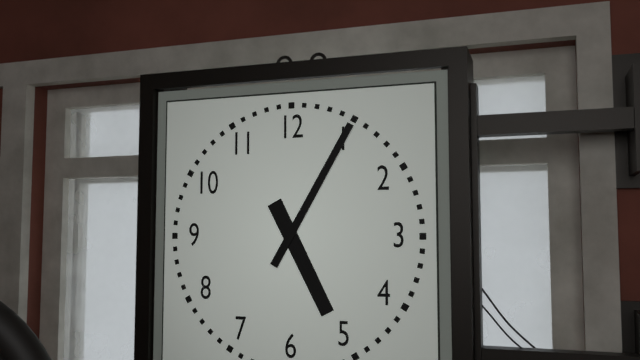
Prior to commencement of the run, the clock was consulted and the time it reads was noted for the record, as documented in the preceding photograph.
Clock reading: 5:05
